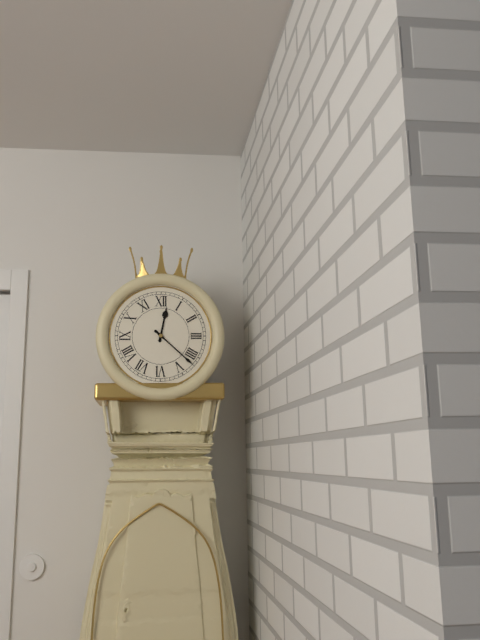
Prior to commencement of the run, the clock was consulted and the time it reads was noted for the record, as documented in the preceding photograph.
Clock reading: 12:22
